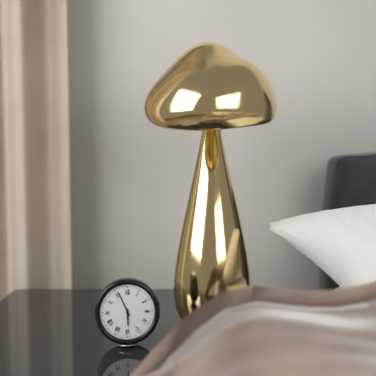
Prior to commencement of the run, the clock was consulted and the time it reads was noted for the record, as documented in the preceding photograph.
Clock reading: 5:56
